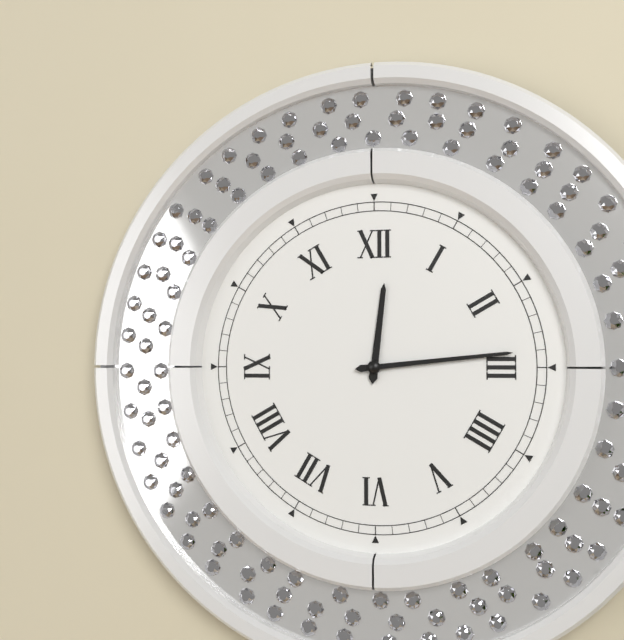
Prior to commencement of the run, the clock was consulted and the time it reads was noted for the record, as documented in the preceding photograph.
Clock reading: 12:14
